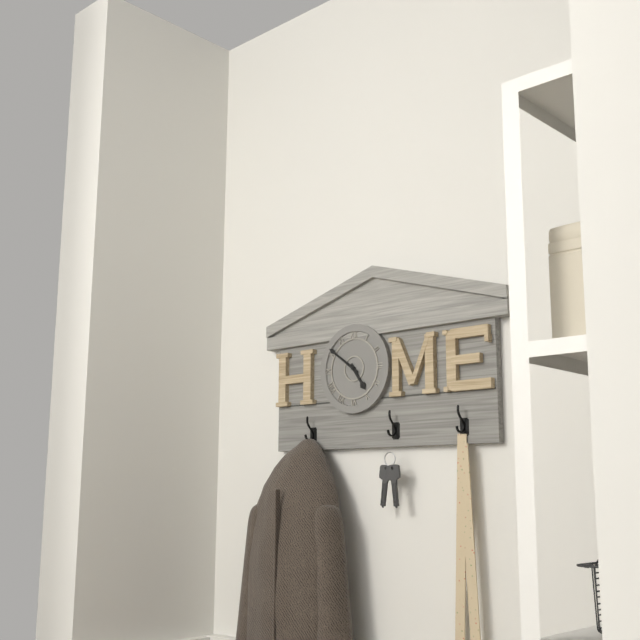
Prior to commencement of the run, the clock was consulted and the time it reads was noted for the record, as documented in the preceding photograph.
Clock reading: 4:51
